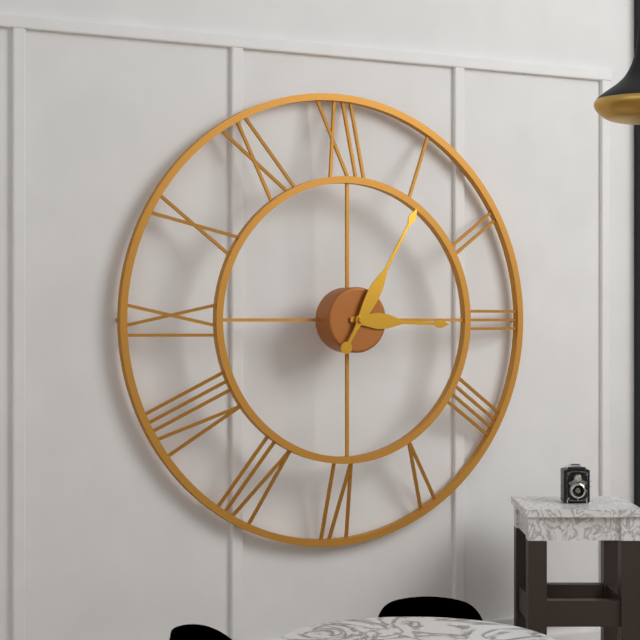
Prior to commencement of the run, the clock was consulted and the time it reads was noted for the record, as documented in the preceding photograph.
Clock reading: 3:05
